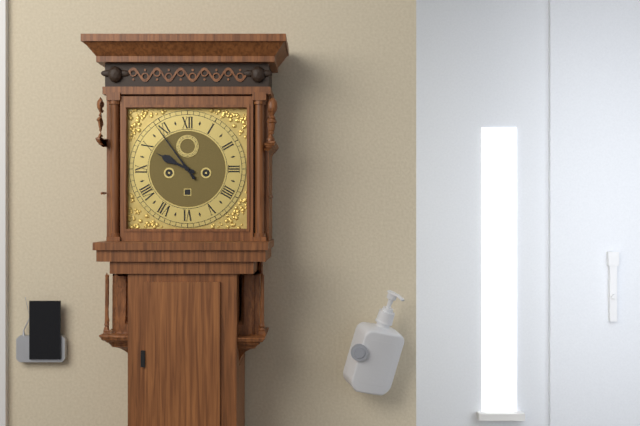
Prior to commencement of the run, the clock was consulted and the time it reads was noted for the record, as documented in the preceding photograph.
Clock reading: 9:54
